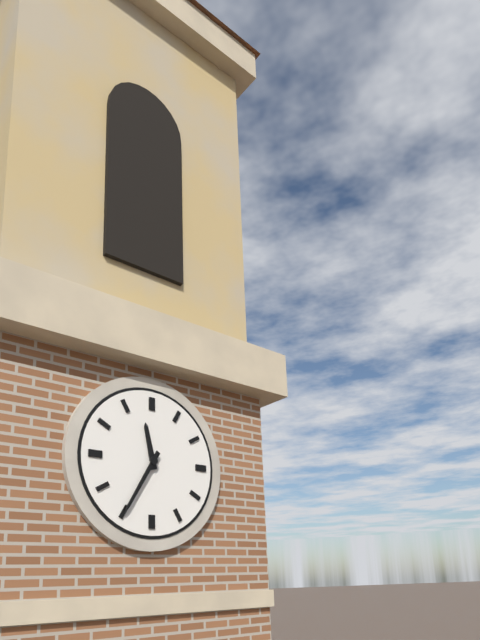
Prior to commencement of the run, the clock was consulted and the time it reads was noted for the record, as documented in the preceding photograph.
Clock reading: 11:35
